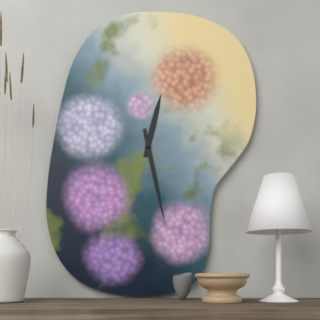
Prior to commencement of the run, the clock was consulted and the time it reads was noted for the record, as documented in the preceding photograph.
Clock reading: 12:28
